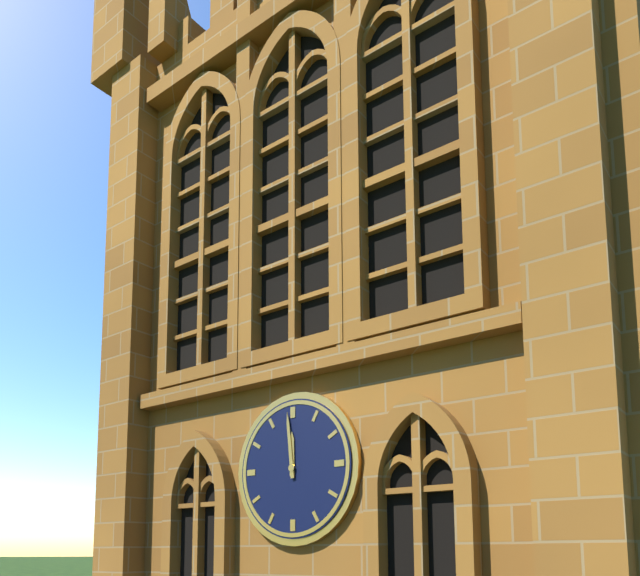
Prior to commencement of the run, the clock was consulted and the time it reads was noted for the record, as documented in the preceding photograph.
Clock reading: 11:59
